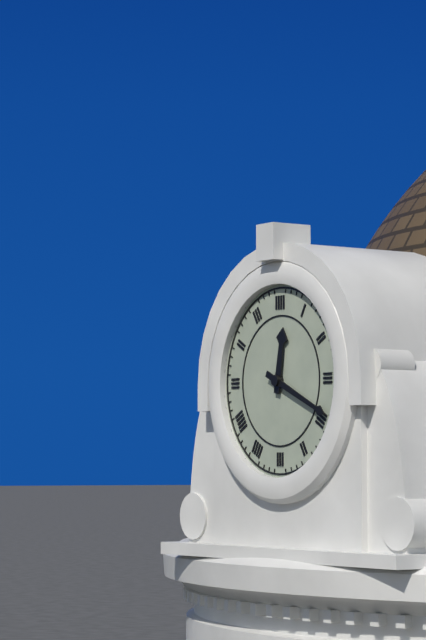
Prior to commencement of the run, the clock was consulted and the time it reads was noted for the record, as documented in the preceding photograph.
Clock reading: 12:19
